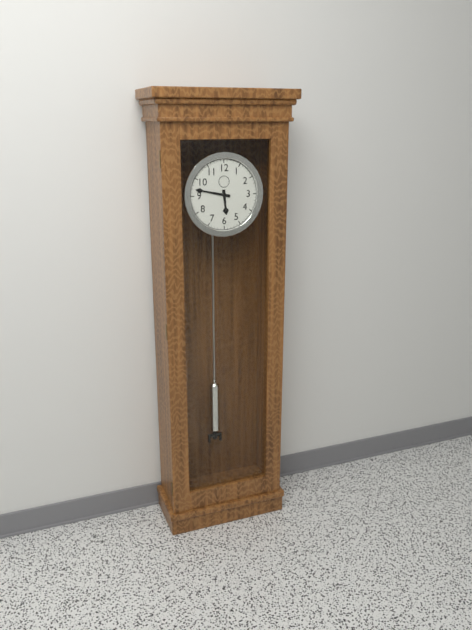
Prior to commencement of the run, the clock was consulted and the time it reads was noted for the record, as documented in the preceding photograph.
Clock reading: 5:47
